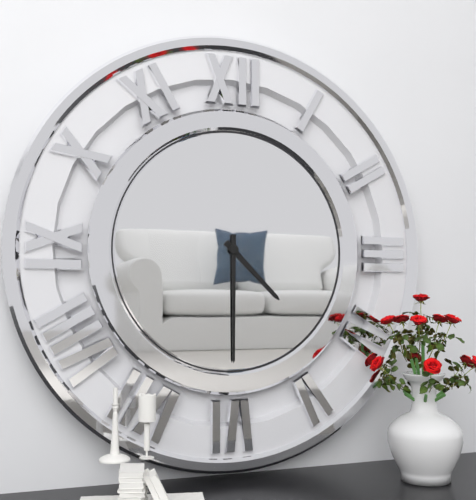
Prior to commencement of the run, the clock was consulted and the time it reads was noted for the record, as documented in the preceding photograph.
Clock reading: 4:30
